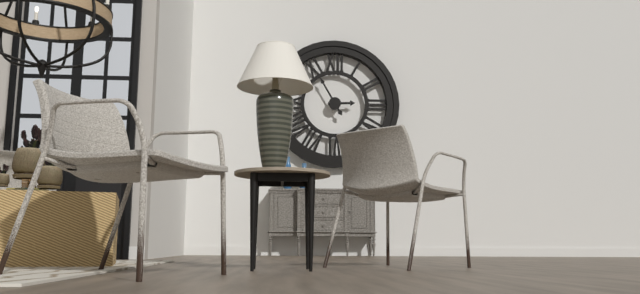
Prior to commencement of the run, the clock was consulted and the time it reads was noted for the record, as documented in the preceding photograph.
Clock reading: 2:55
